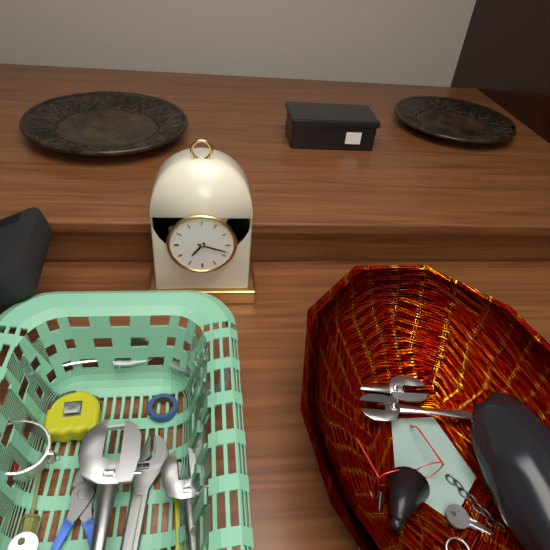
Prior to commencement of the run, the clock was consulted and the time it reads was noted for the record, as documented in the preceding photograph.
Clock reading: 7:18
